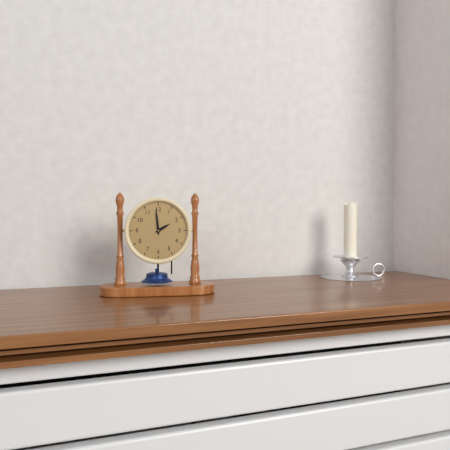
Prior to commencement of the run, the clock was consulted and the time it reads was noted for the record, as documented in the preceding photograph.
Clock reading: 1:59
